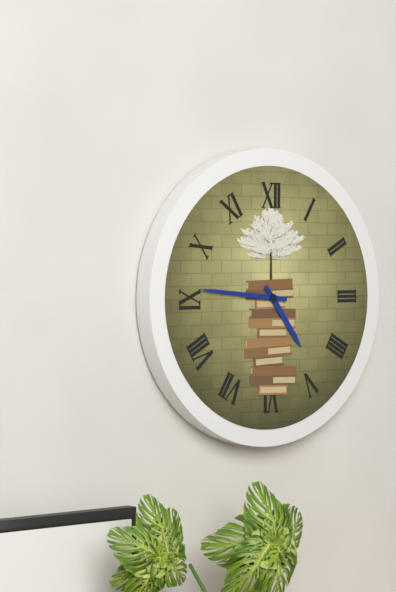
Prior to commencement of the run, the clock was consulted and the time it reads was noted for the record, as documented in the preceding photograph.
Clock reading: 4:46
